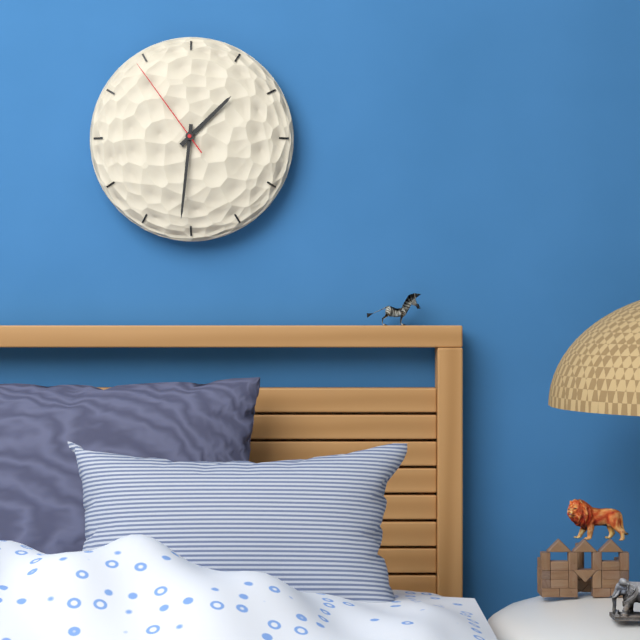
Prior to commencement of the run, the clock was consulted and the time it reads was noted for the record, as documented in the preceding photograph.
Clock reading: 1:31:54
